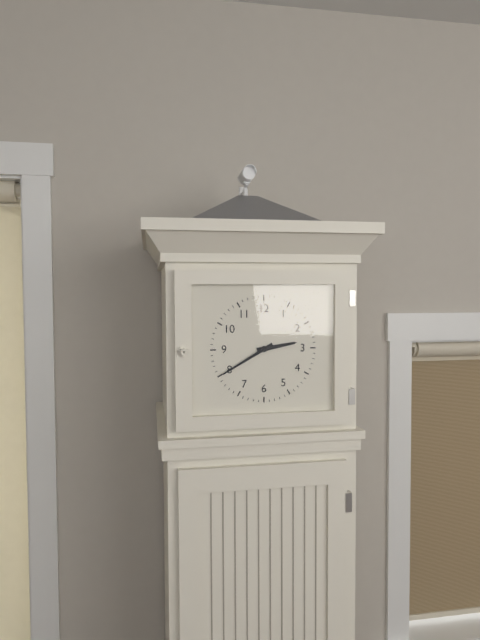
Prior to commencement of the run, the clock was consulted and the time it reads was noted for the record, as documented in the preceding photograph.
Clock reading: 2:40
